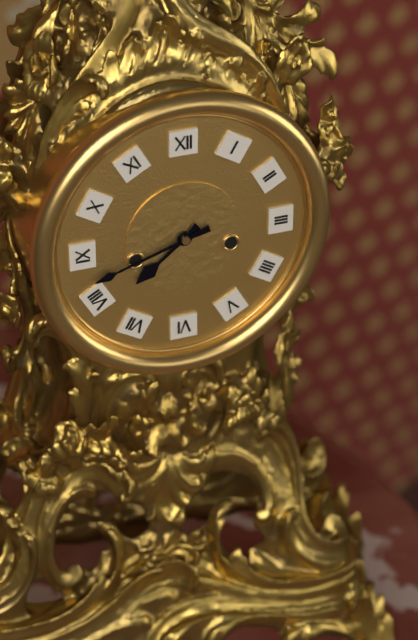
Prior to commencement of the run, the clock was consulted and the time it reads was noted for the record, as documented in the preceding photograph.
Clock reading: 7:42
